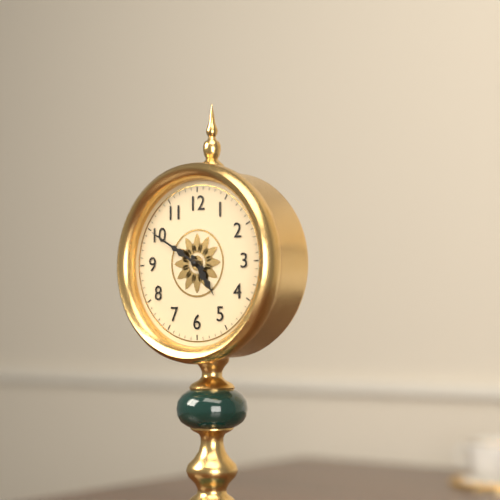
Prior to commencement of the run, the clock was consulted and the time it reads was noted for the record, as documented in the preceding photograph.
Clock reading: 4:50
